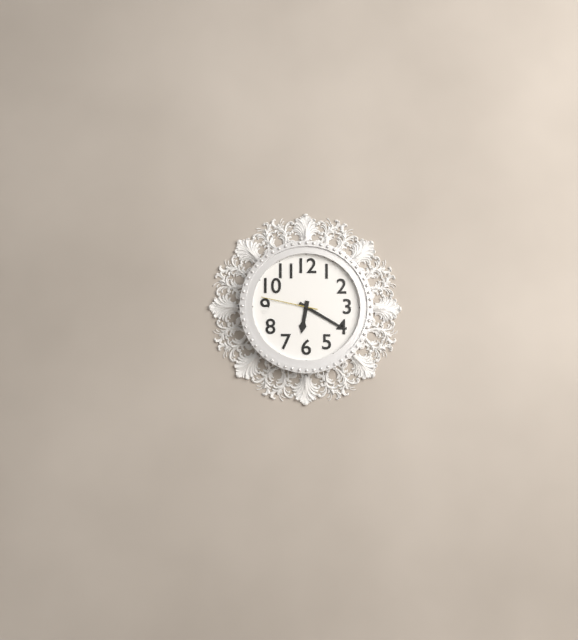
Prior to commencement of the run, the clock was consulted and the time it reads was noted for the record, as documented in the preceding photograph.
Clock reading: 6:20:47
